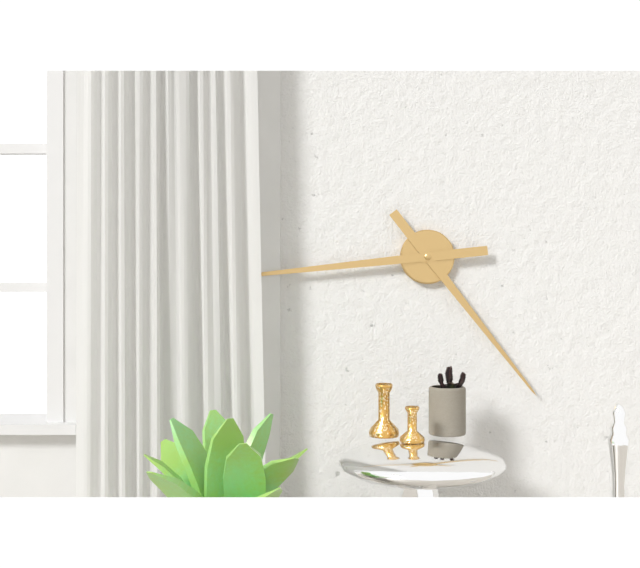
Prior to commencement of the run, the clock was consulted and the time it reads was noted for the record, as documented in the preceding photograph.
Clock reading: 4:44
